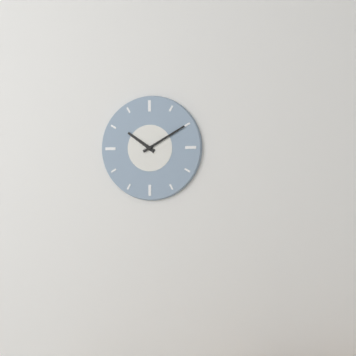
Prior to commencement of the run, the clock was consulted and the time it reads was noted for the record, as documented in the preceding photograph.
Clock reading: 10:10
